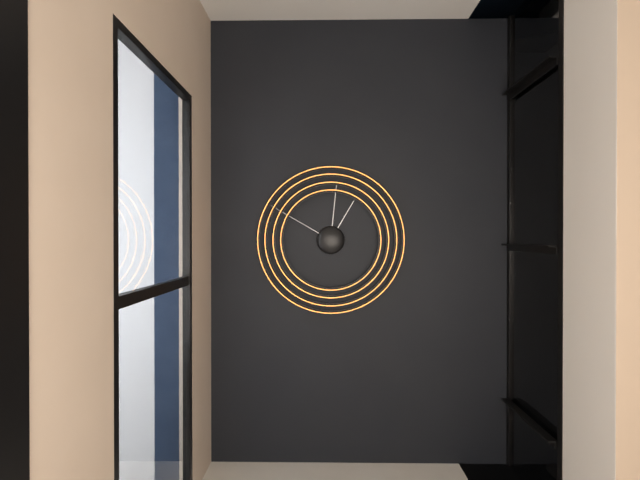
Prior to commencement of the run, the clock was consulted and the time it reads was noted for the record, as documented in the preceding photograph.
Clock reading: 1:01:50
